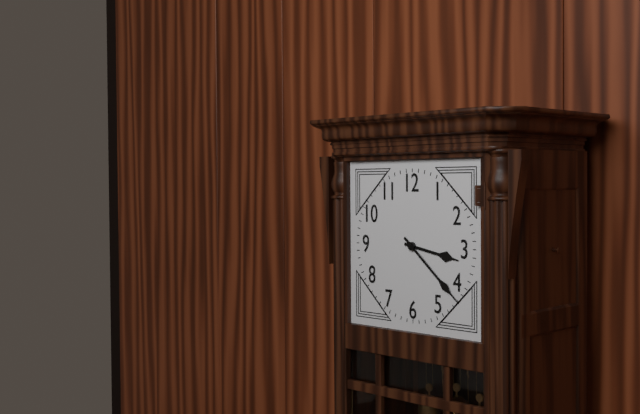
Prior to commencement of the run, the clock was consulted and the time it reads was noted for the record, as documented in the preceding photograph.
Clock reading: 3:22
